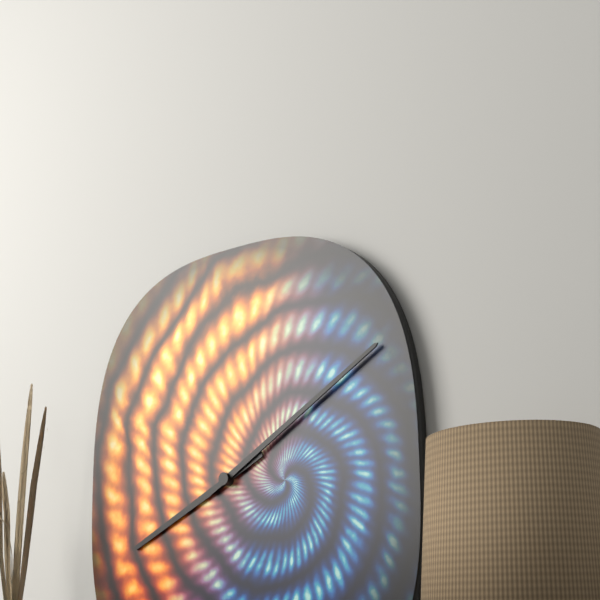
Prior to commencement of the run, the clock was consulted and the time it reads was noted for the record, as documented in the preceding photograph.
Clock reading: 8:10
